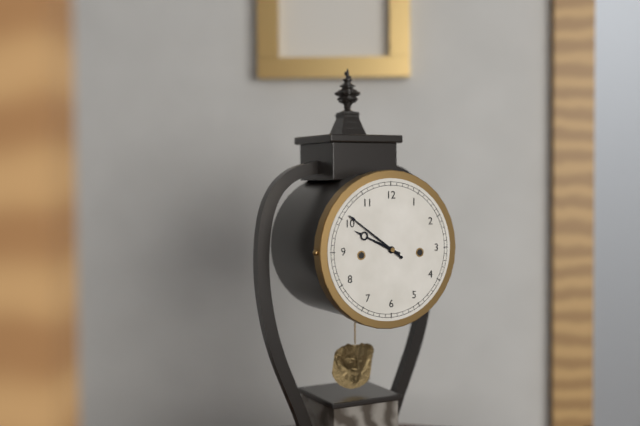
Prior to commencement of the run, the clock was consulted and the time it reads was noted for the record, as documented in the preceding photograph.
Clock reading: 9:51
